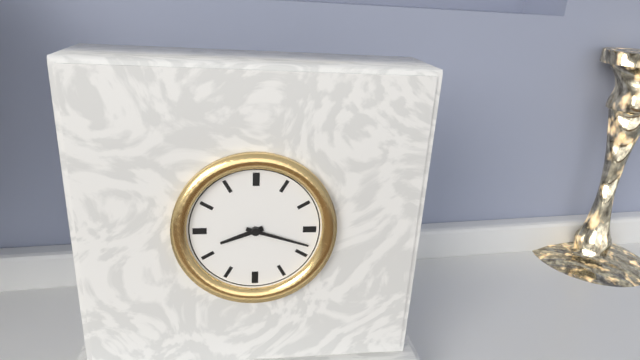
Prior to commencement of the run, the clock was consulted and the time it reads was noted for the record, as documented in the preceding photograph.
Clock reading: 8:18
